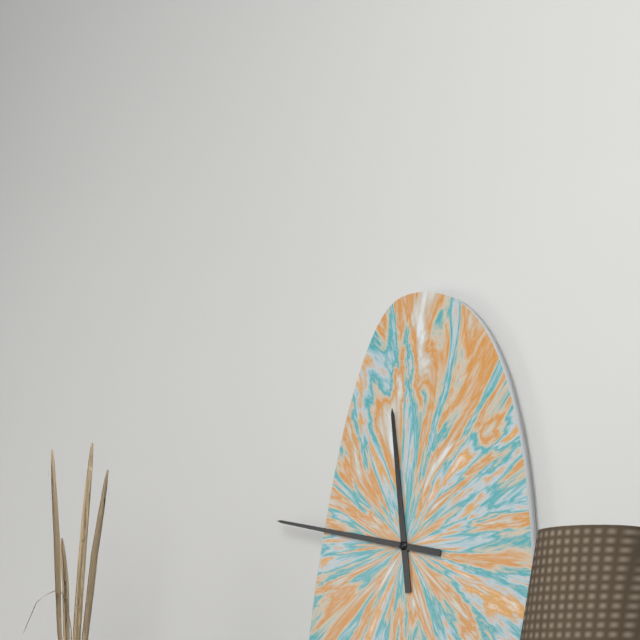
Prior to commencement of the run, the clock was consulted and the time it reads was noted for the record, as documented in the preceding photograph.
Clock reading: 11:47
